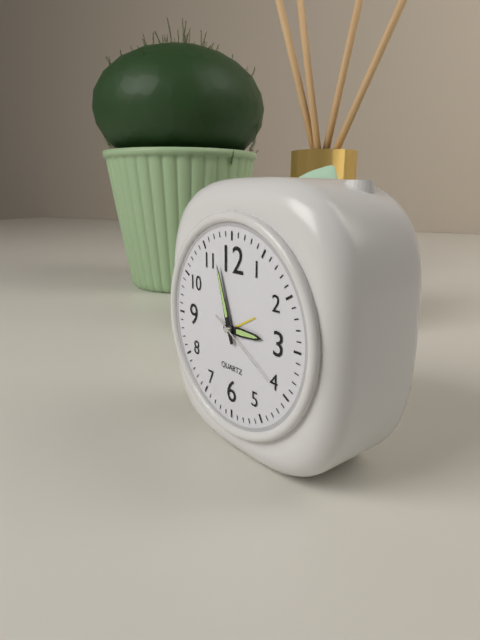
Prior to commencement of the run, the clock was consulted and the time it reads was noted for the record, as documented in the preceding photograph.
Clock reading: 2:57:20
